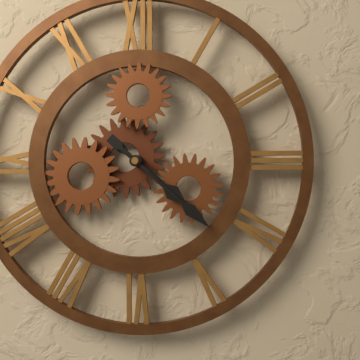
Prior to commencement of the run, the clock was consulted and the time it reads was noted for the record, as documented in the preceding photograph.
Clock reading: 4:22
